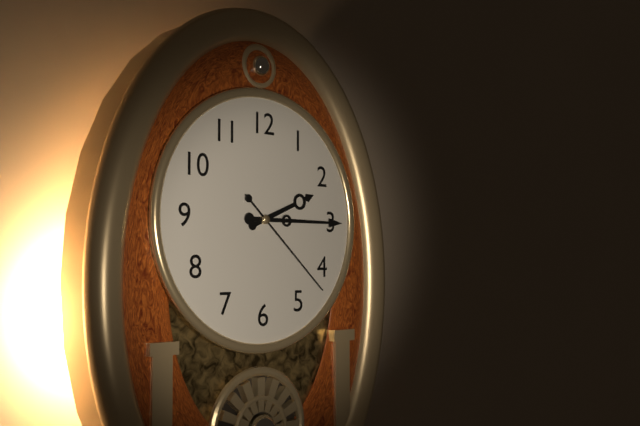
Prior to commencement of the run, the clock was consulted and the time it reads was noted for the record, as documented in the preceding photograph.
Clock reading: 2:15:22
